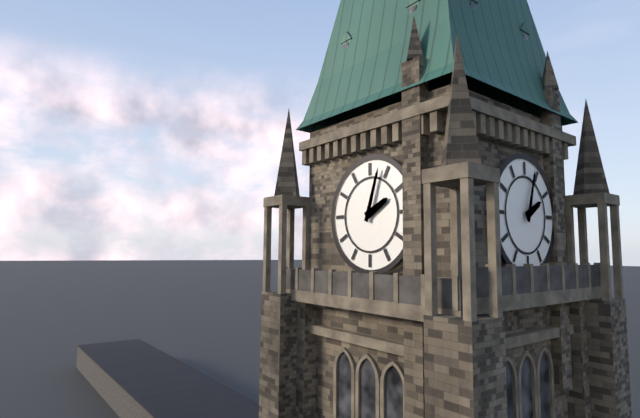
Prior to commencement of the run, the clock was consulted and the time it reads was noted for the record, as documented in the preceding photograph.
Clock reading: 2:03
